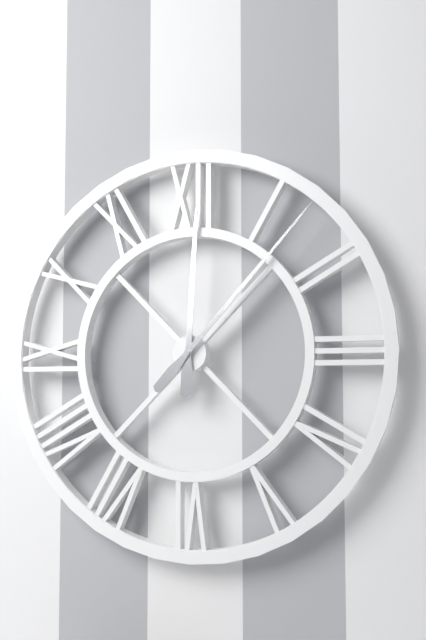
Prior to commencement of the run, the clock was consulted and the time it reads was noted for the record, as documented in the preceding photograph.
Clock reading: 12:07
